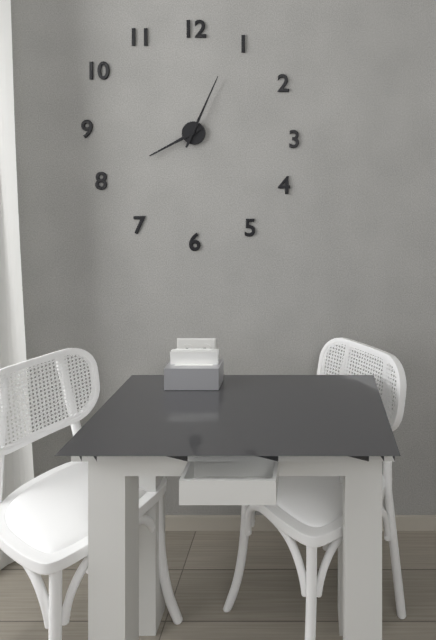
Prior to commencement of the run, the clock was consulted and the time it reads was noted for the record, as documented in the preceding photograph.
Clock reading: 8:04
